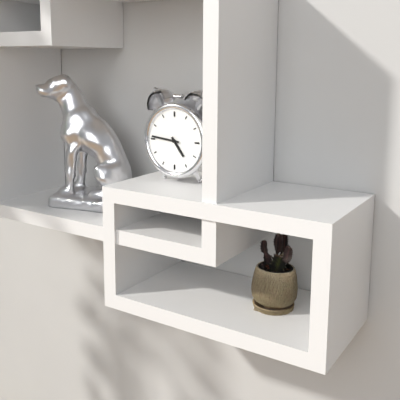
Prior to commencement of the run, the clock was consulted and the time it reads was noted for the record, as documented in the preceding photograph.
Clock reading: 4:46
